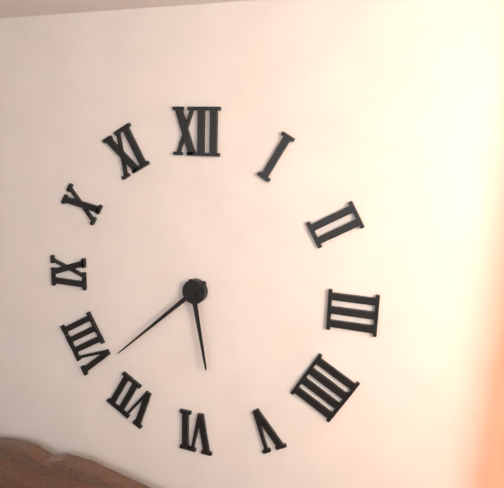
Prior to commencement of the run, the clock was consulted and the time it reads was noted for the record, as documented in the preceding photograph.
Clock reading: 5:38
